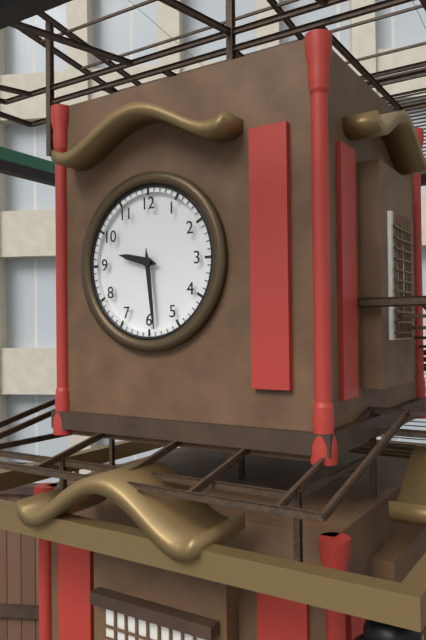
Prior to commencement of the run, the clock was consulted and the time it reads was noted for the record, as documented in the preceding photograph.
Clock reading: 9:29
